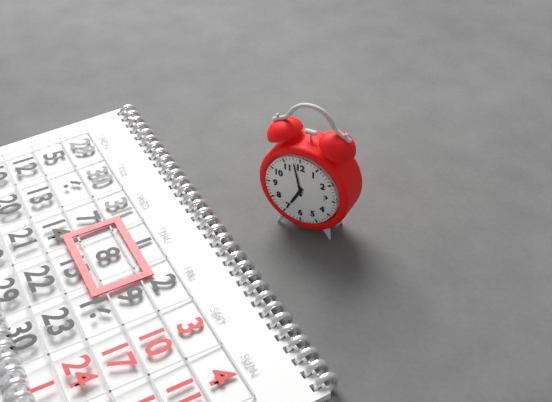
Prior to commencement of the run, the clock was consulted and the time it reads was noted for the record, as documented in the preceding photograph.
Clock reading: 6:58
